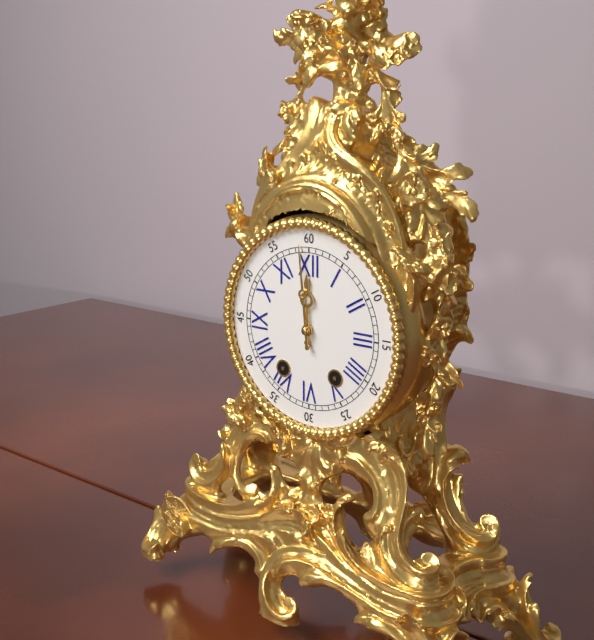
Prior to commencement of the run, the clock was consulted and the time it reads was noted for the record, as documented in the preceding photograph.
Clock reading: 11:59
